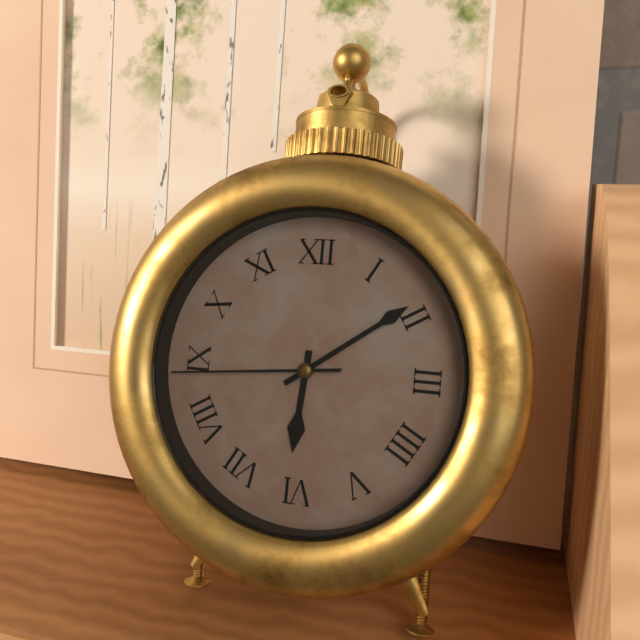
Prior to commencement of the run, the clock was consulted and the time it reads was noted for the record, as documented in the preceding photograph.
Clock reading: 6:09:44
